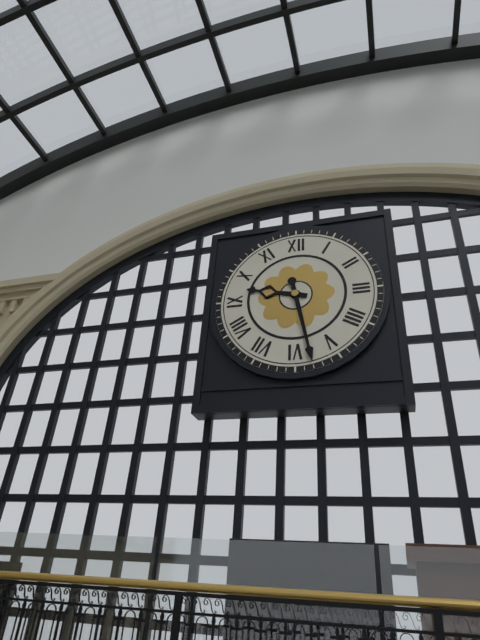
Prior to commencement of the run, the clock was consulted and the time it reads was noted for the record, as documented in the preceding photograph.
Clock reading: 9:28
